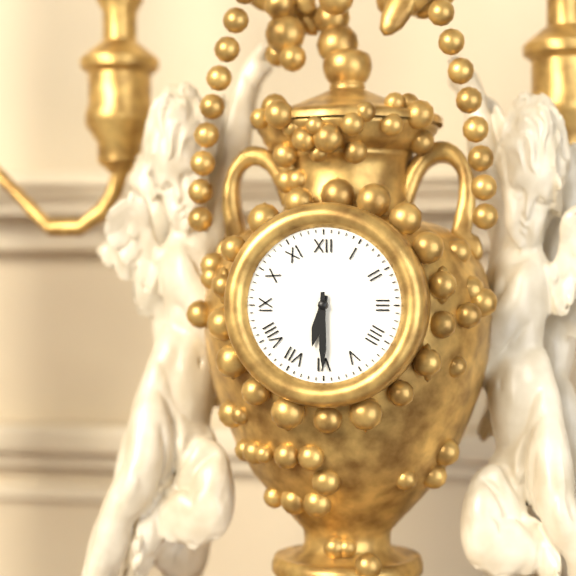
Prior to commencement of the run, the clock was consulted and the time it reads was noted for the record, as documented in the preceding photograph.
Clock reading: 6:30
